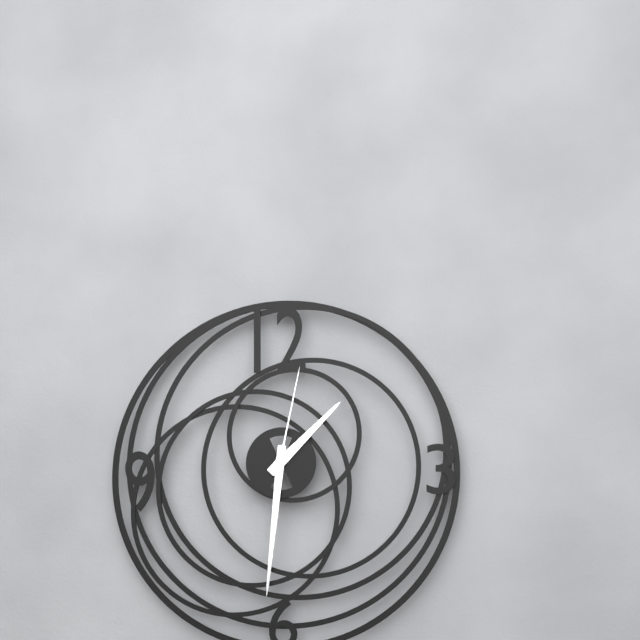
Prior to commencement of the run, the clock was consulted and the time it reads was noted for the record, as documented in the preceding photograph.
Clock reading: 1:31:02
